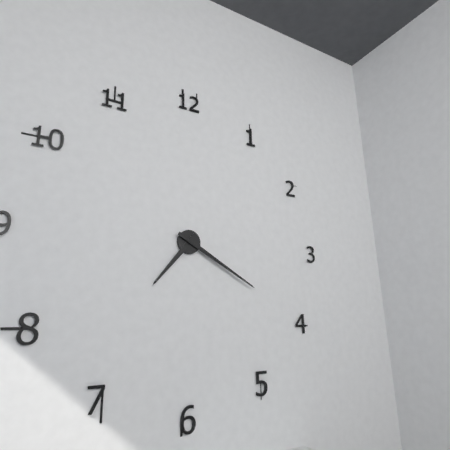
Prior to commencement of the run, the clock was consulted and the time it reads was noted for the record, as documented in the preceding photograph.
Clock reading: 7:20
